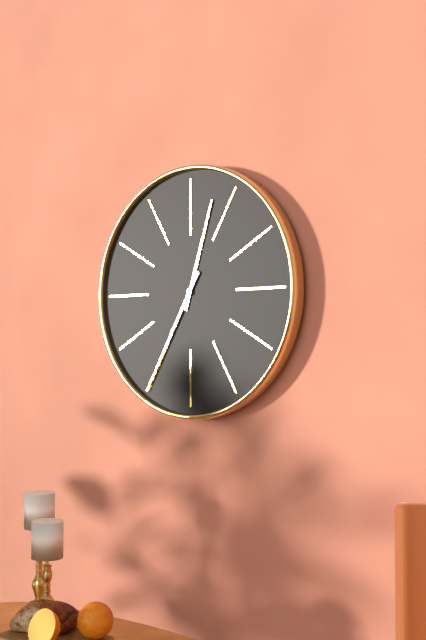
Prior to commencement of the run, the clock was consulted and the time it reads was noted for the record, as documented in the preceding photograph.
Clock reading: 12:35
